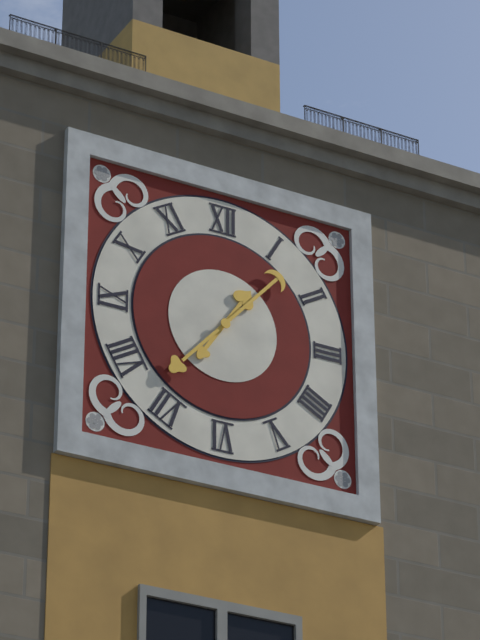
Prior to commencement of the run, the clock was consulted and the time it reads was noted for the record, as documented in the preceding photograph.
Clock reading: 1:07
